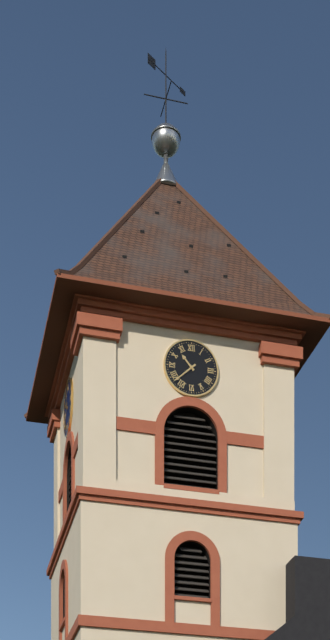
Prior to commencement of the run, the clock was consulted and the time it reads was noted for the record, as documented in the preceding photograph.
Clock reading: 10:38
